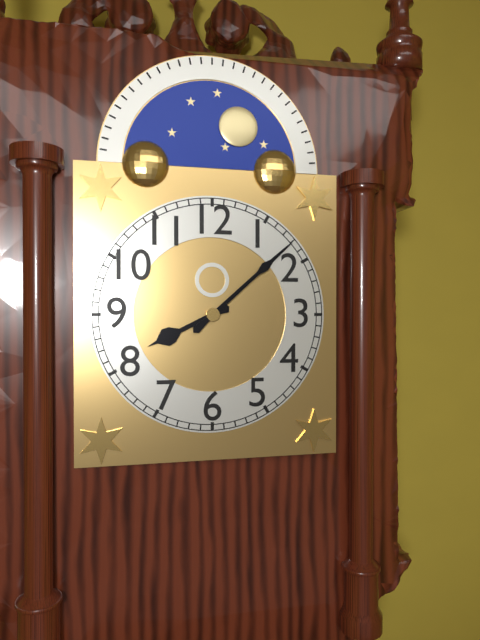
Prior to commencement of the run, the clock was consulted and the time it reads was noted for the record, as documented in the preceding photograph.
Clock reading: 8:08
